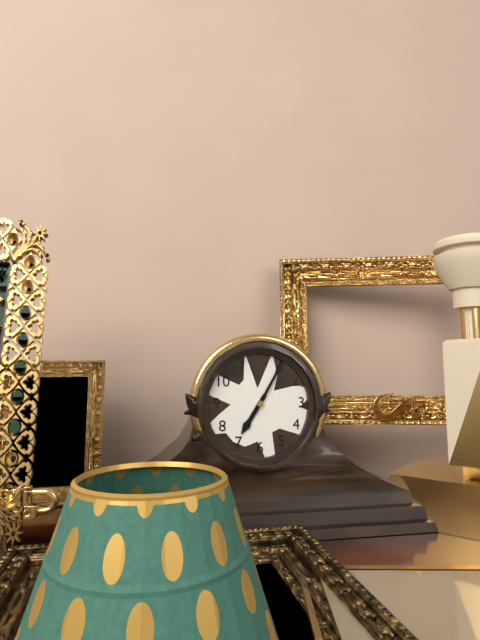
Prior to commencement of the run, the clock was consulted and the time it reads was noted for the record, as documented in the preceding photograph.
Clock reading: 7:05
